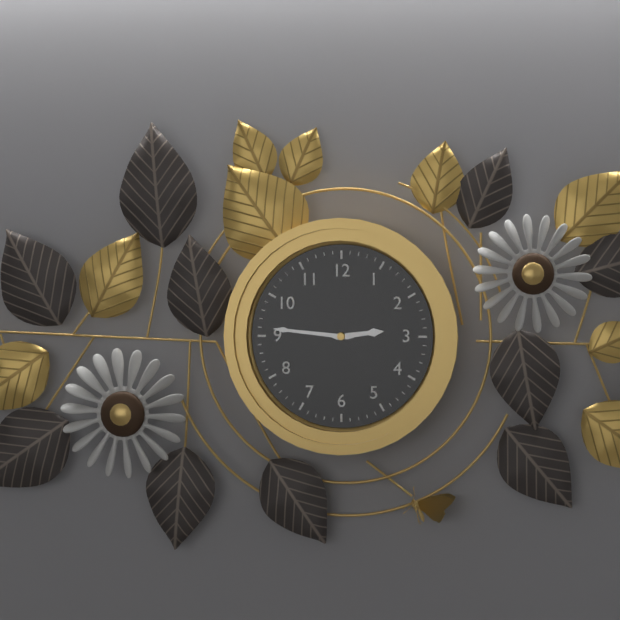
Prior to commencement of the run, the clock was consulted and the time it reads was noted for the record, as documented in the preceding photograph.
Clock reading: 2:46
